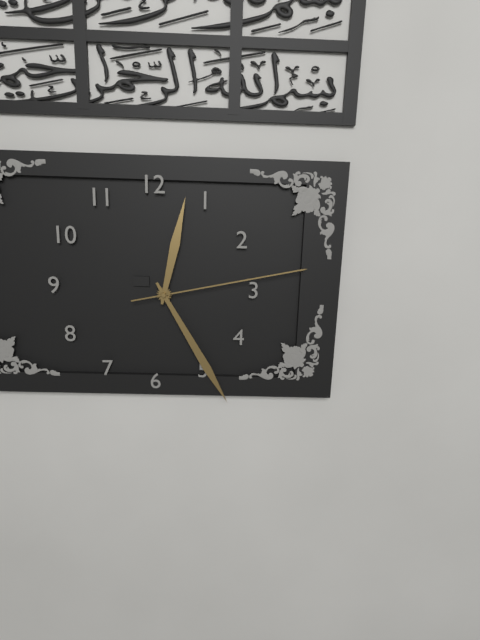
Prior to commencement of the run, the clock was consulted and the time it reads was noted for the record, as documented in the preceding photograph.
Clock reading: 12:25:13
